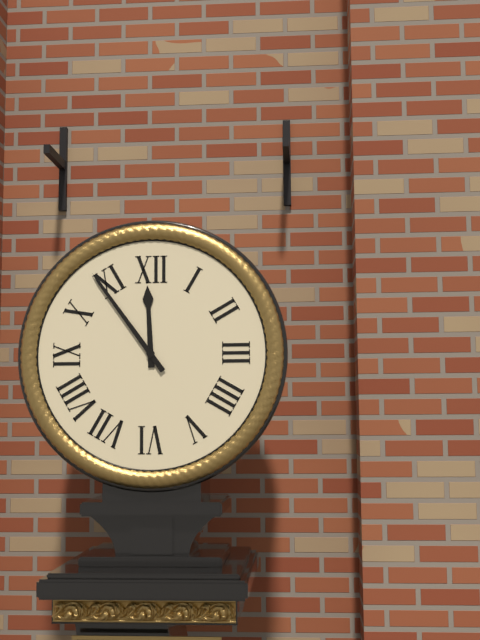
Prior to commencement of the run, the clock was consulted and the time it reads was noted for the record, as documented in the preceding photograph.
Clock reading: 11:54
